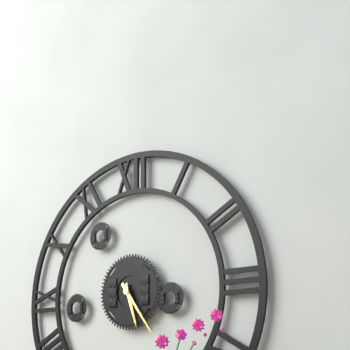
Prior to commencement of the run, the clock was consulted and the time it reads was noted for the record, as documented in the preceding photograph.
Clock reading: 5:24
